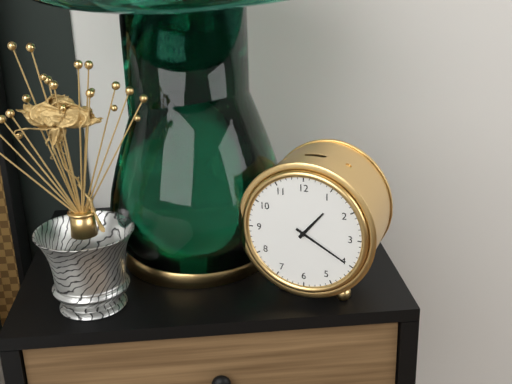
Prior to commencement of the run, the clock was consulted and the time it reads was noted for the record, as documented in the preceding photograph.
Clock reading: 1:20
